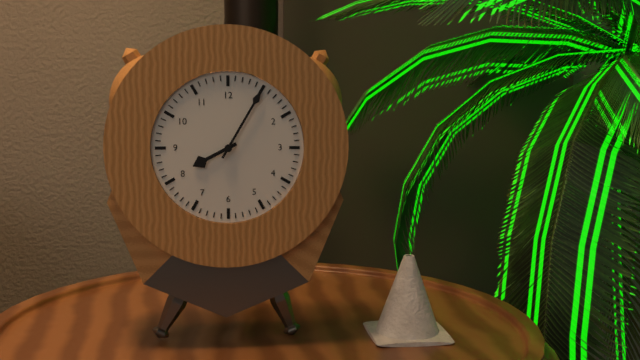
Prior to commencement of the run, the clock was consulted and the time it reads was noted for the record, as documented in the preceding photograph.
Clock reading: 8:05
